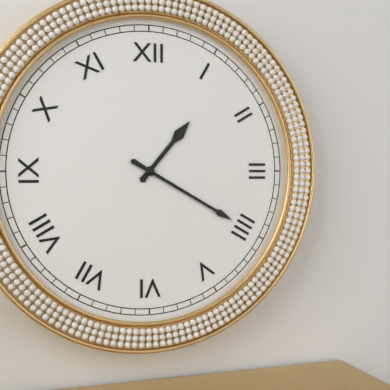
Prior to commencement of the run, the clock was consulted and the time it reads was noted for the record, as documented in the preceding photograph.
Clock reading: 1:20
